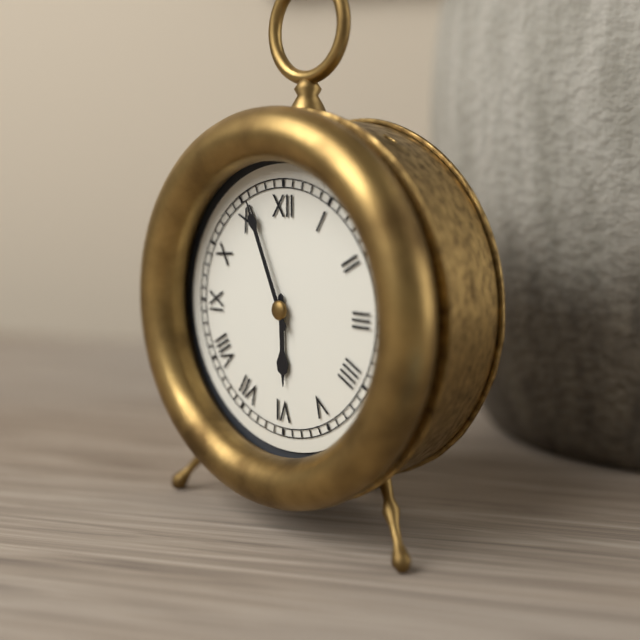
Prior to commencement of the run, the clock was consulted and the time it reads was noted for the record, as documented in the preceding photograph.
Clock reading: 5:56
